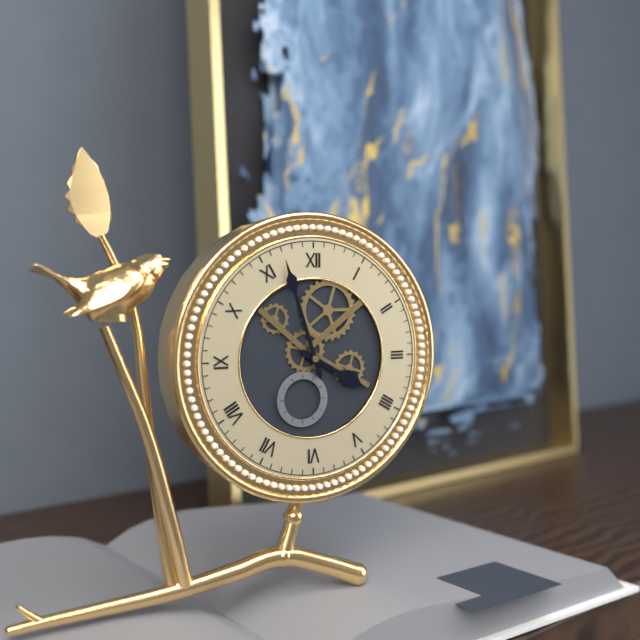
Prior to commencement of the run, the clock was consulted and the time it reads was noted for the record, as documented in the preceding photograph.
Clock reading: 3:57
